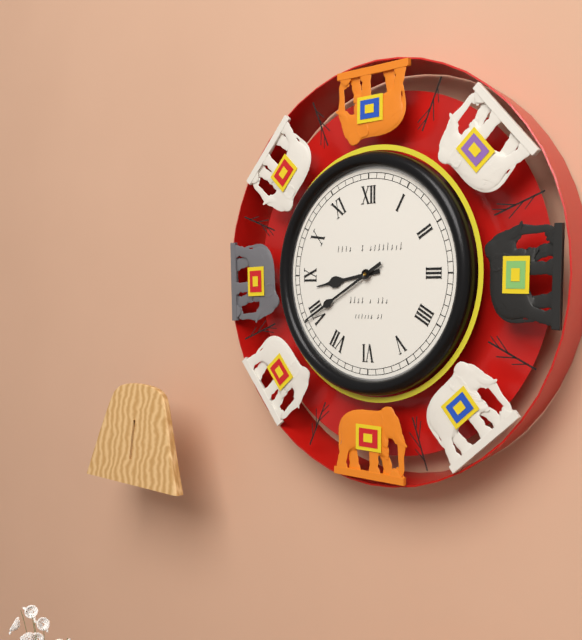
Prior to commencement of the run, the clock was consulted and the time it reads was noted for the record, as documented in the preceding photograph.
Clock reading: 8:40
